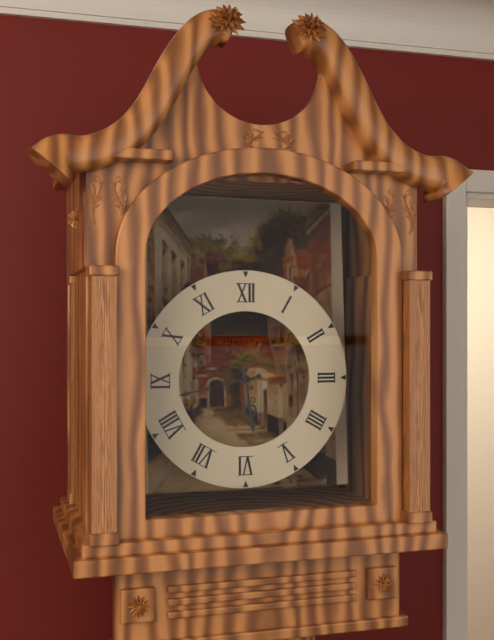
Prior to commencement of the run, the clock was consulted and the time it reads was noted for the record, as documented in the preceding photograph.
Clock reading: 5:43
